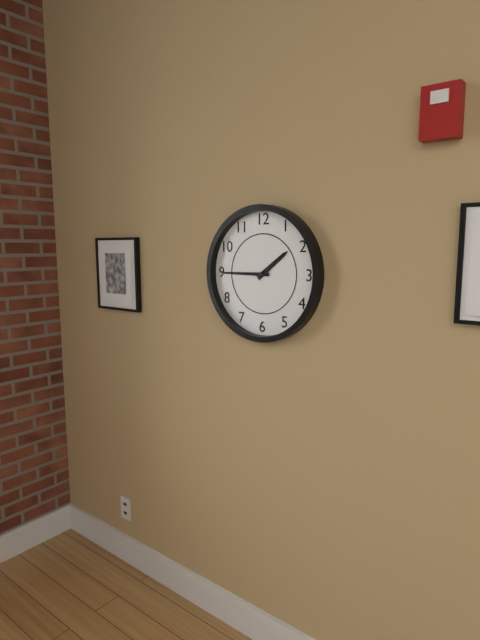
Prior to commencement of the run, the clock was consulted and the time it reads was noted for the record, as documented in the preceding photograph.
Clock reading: 1:45
